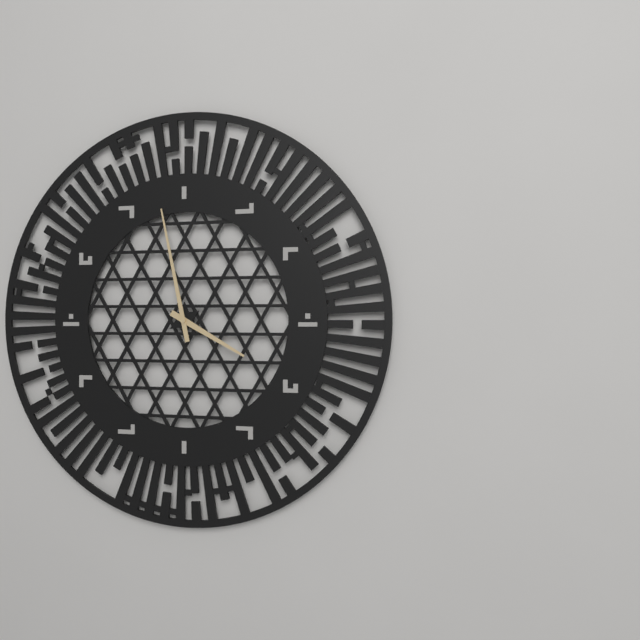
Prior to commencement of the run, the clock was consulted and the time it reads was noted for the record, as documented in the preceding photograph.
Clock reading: 3:58
